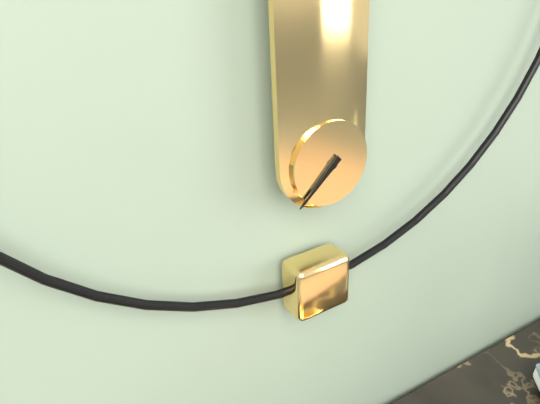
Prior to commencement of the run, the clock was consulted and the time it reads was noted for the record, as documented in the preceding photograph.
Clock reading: 7:38
